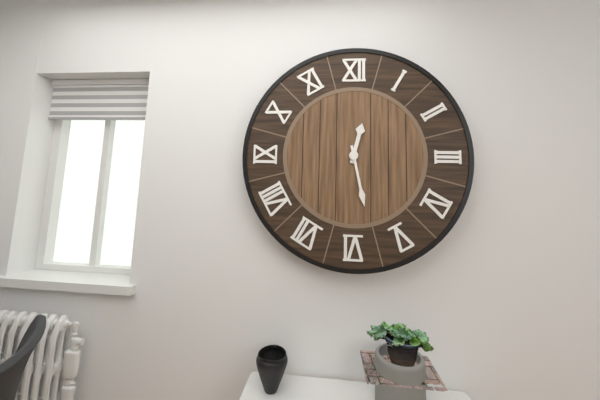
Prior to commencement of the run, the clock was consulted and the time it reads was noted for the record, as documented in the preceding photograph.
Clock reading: 12:28
